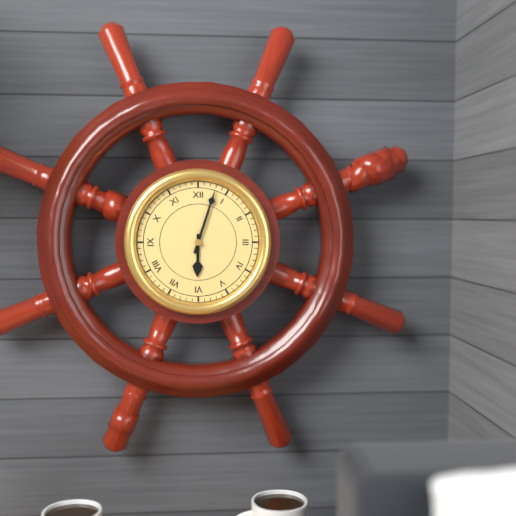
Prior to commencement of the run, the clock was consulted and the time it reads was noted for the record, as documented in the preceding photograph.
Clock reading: 6:03
